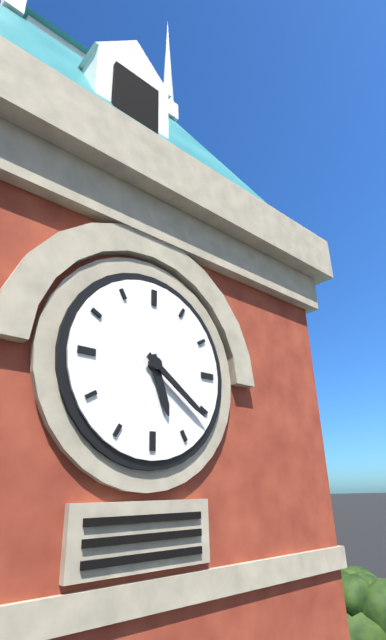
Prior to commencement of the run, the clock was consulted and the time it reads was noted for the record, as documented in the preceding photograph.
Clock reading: 5:21
